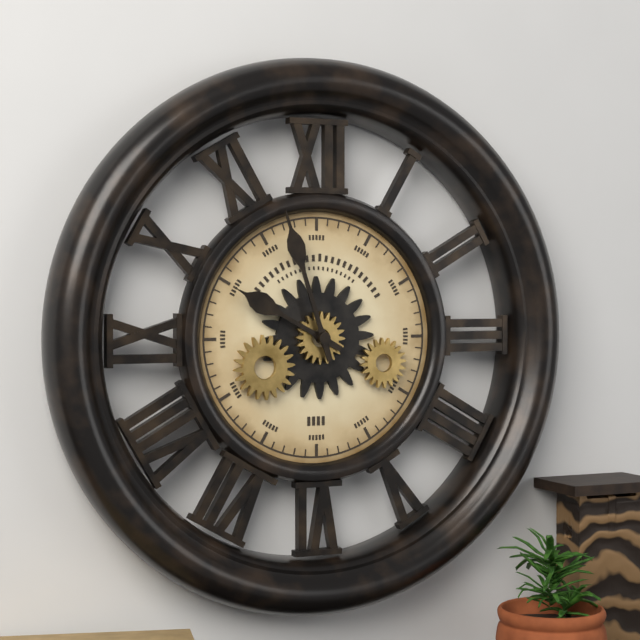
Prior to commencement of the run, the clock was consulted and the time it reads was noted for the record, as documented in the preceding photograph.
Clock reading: 9:57
